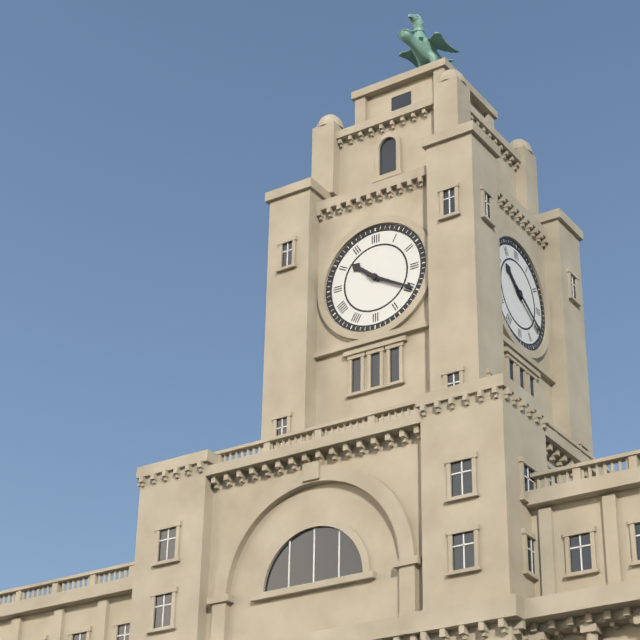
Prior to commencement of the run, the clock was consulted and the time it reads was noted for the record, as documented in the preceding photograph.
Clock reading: 10:20
